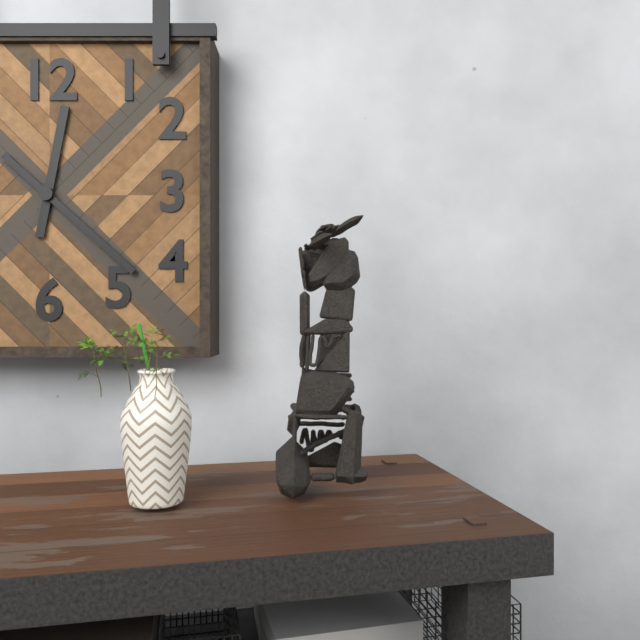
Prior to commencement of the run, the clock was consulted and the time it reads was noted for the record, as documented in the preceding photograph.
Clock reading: 12:22
